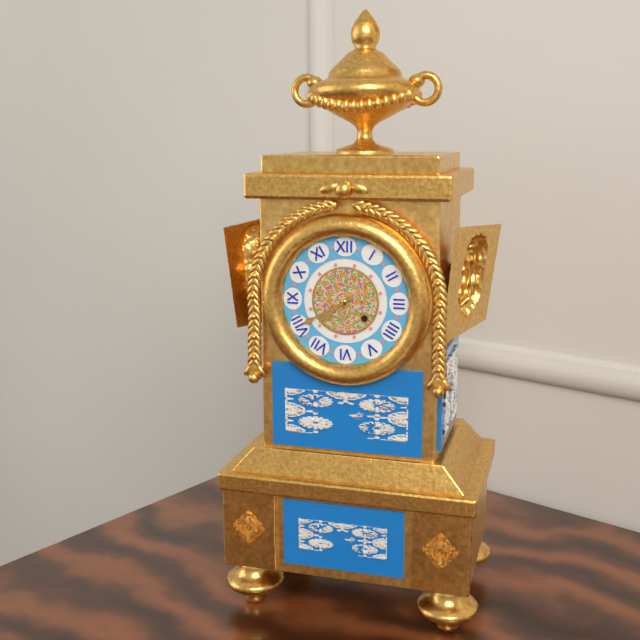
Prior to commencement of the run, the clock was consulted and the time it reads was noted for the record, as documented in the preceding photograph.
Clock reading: 7:40
